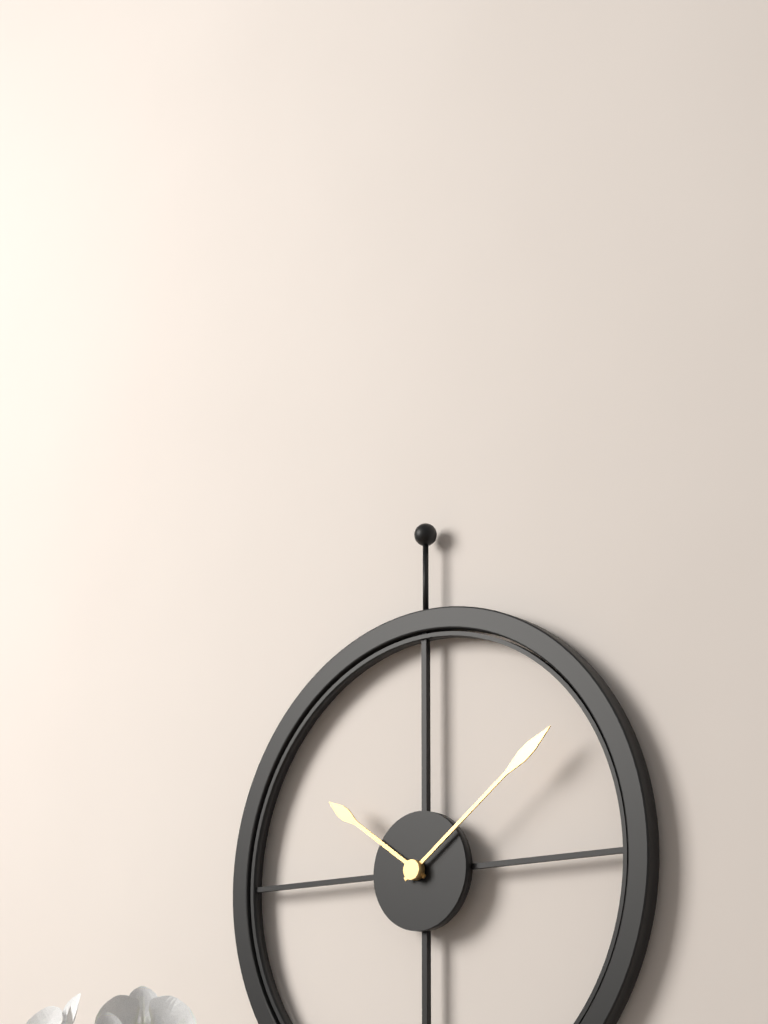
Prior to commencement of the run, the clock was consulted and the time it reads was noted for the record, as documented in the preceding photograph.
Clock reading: 10:09
